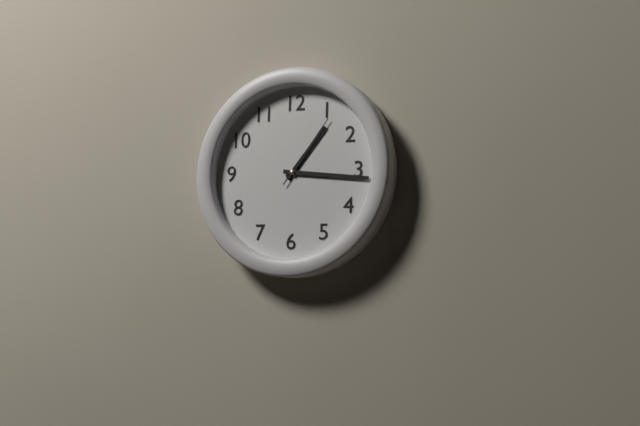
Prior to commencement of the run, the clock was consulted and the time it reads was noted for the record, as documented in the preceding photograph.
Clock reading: 1:16:06
